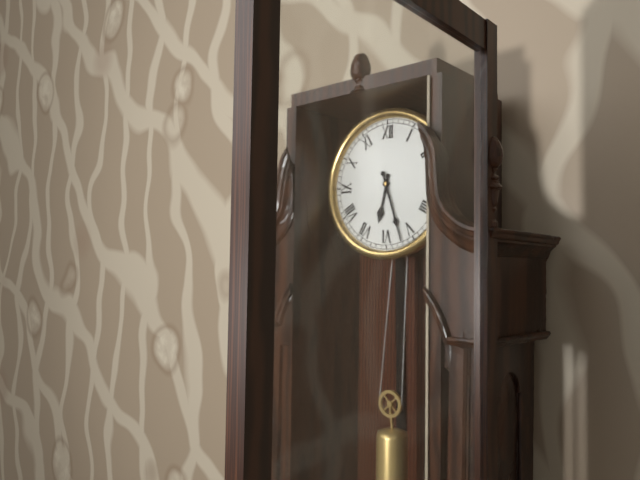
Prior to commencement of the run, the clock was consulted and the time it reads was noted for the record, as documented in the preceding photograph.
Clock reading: 6:27
